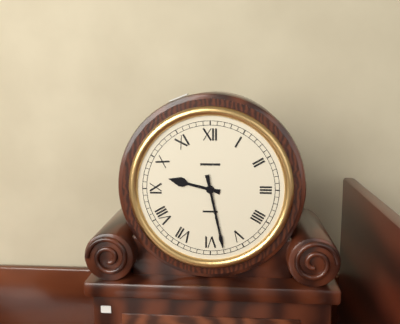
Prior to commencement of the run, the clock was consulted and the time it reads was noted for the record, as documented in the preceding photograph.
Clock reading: 9:28
